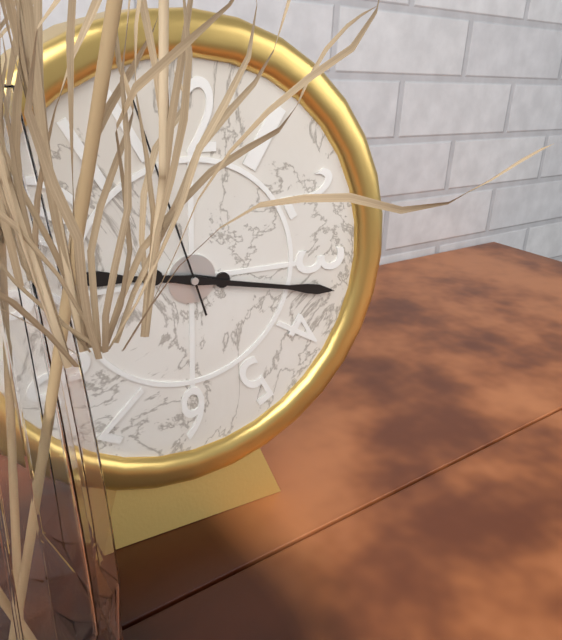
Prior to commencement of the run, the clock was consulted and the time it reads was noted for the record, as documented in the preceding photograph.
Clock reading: 9:17
